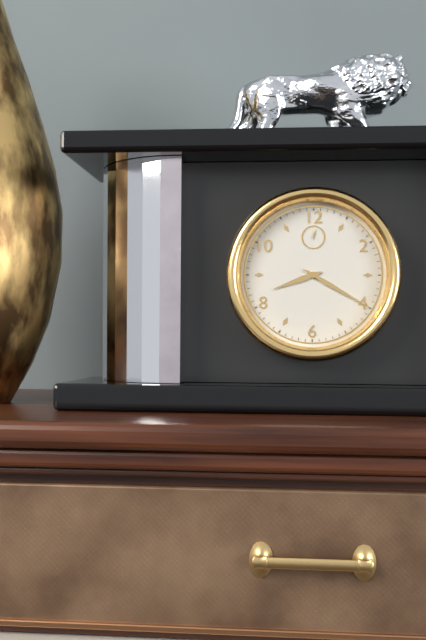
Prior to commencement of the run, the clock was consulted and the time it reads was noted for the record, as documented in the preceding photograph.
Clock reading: 8:20
